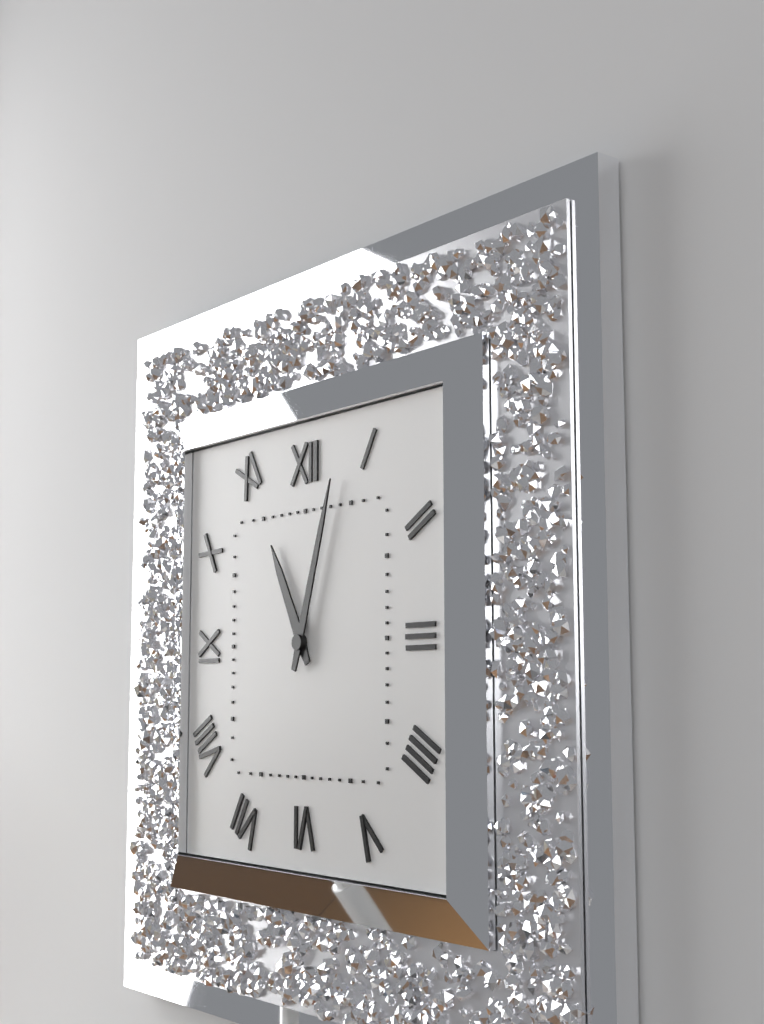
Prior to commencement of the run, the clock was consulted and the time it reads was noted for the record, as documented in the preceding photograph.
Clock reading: 11:03
